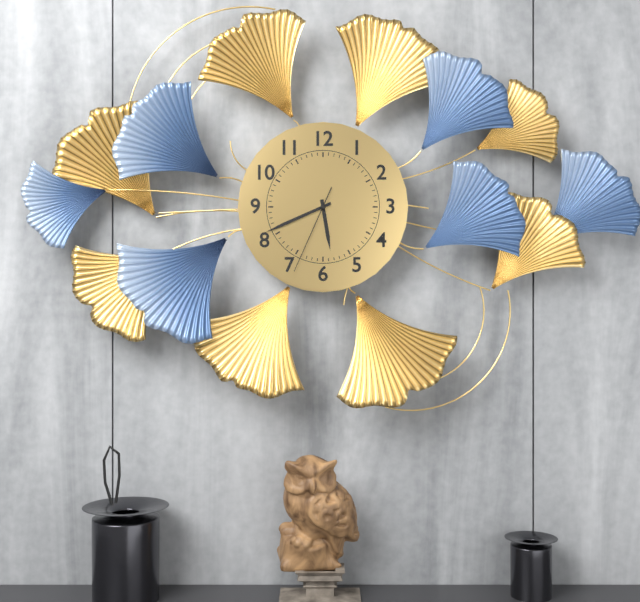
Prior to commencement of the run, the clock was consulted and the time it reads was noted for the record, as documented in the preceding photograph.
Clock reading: 5:41:34
